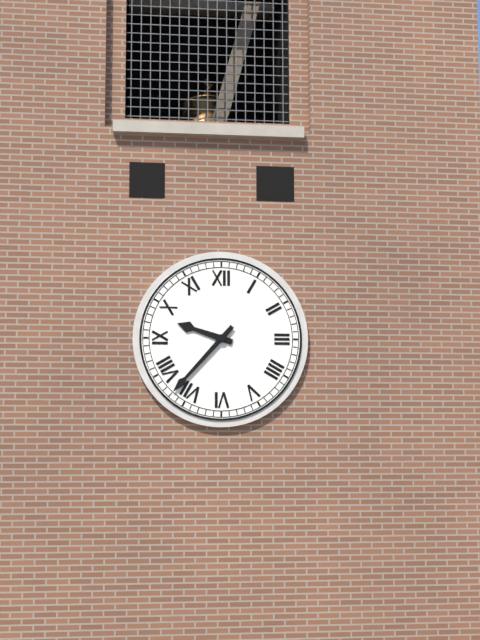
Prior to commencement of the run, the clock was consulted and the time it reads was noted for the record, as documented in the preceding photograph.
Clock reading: 9:37
